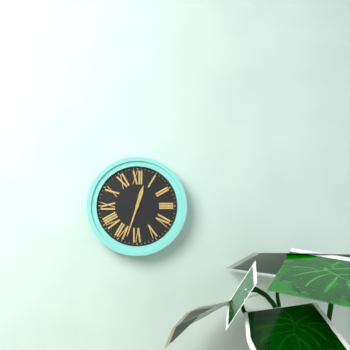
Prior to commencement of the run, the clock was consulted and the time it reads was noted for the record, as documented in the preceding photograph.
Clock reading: 12:33
